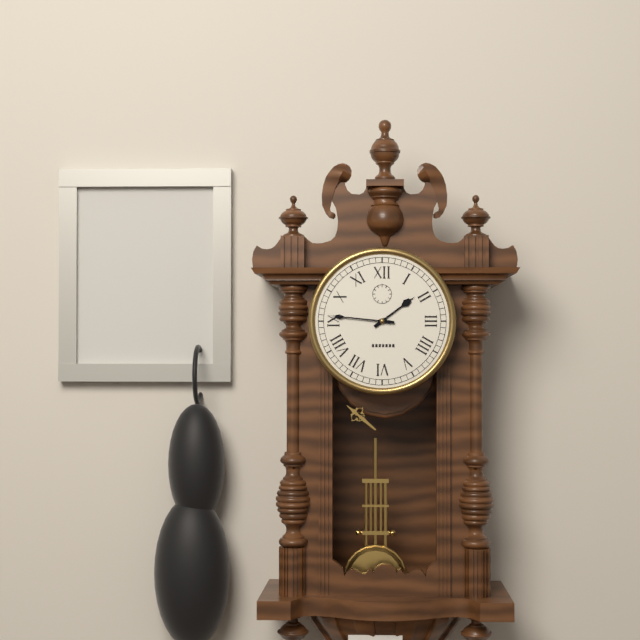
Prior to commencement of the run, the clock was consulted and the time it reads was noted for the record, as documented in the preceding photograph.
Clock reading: 1:46
